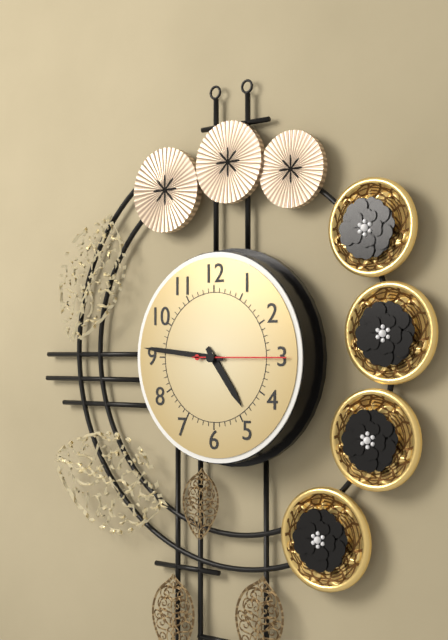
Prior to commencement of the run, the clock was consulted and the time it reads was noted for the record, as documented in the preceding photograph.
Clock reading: 4:46:15
